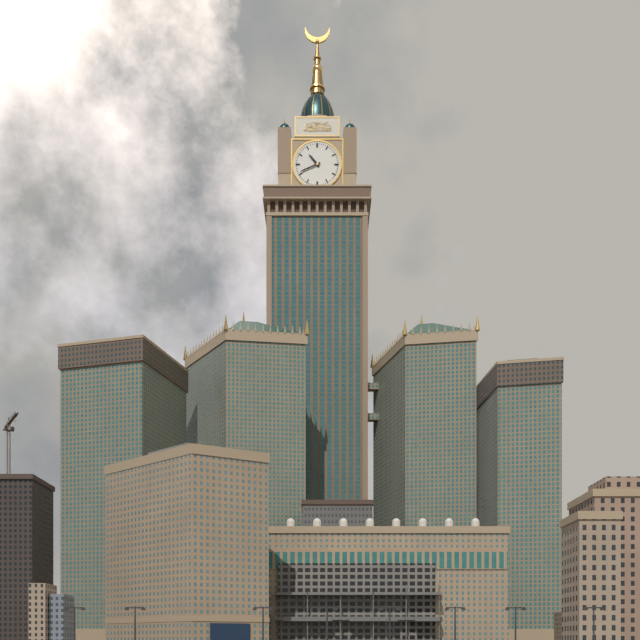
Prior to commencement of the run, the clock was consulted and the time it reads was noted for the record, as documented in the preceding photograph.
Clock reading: 10:41
